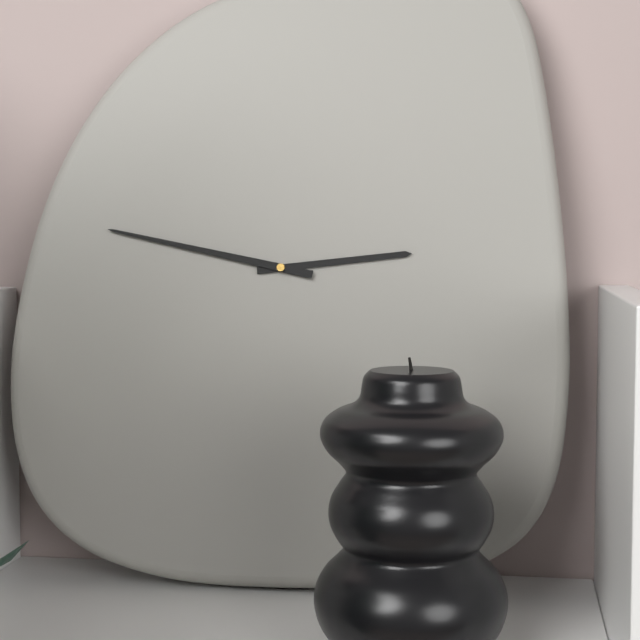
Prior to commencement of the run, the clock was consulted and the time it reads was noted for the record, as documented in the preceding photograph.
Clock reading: 2:47
